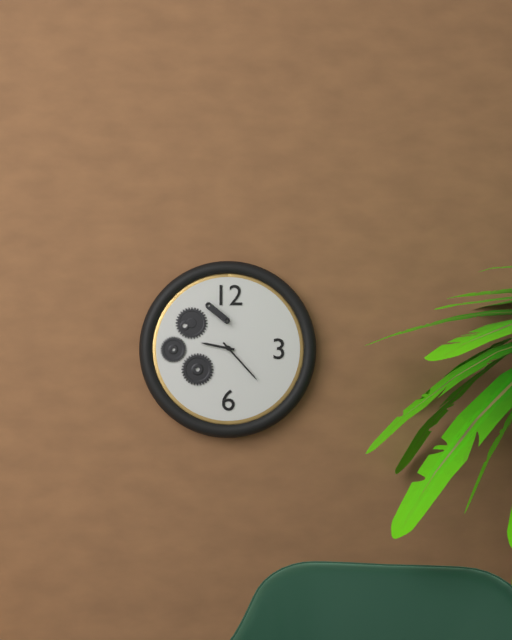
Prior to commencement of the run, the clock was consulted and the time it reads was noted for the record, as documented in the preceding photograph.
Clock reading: 9:23
